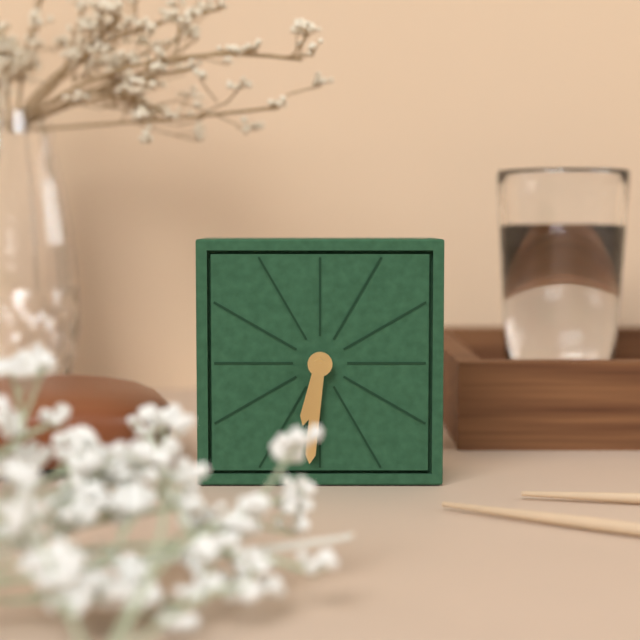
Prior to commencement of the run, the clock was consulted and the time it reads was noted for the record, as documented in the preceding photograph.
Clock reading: 6:31
